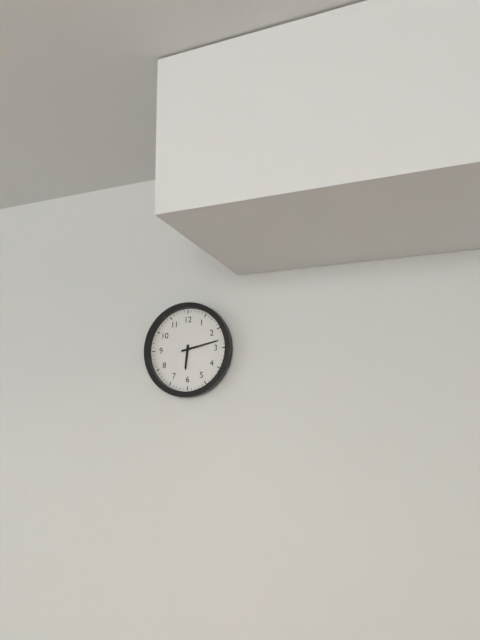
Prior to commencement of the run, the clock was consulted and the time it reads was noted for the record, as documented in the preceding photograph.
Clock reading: 6:13
